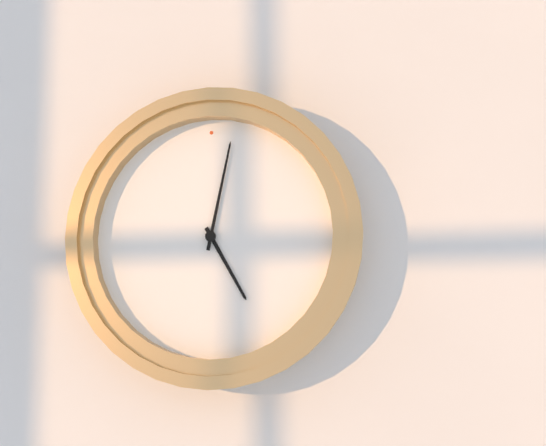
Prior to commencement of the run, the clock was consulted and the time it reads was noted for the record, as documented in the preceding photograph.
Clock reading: 5:02
